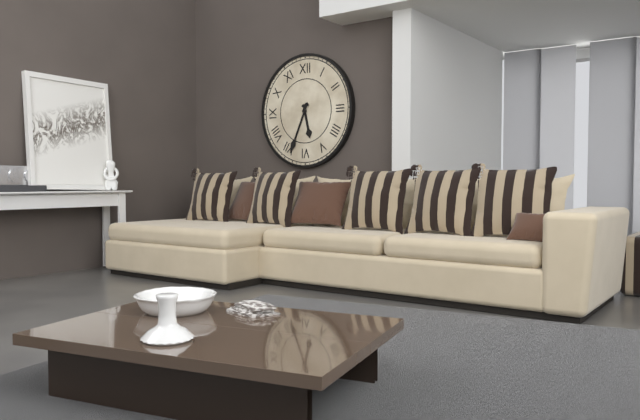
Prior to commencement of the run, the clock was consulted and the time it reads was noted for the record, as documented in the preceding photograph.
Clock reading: 5:34
